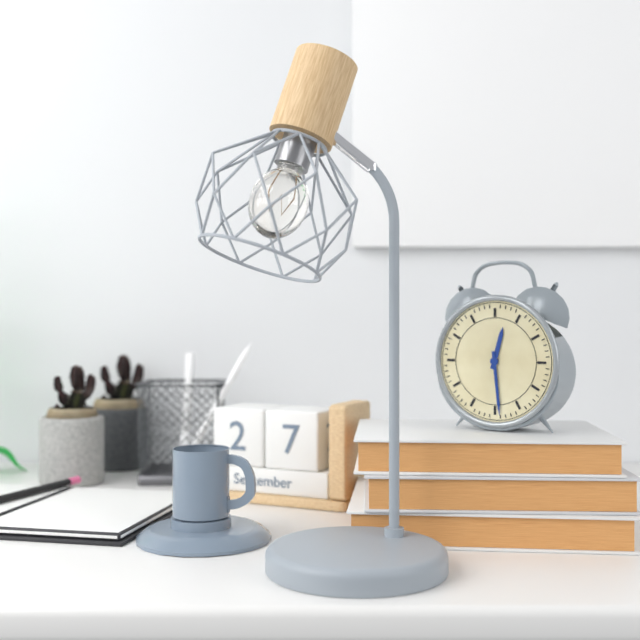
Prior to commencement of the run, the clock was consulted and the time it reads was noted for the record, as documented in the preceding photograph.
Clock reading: 12:29
